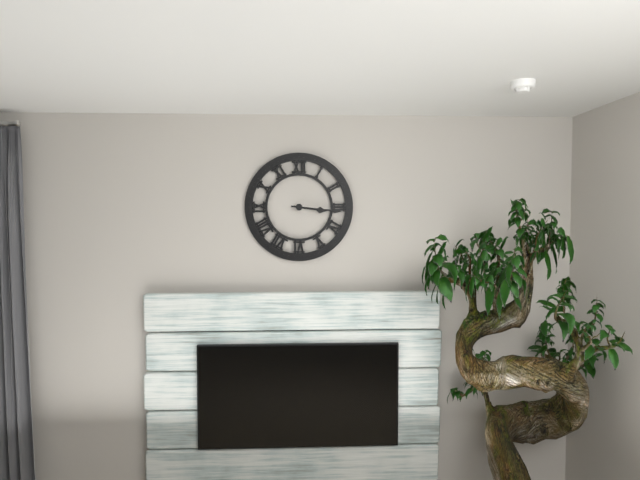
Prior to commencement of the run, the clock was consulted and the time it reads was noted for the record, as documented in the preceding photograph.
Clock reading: 3:16
